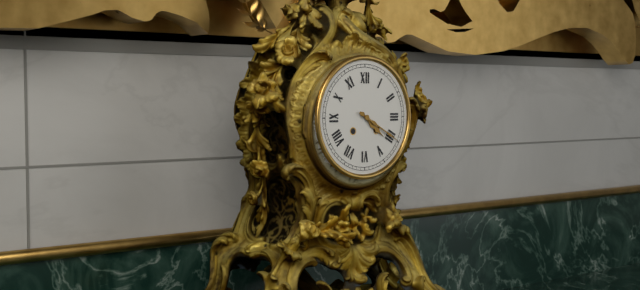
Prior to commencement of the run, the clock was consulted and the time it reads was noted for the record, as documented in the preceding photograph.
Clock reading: 4:20
